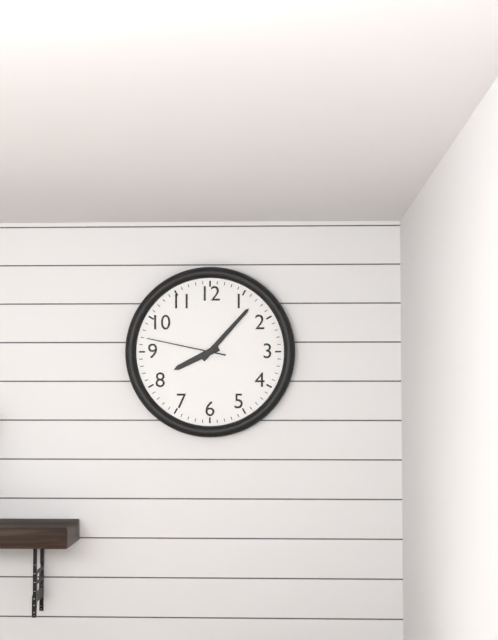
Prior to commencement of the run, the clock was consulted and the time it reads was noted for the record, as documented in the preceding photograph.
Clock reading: 8:07:47
